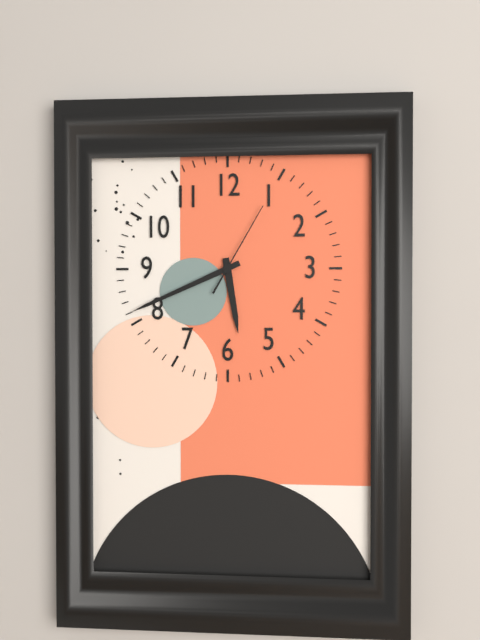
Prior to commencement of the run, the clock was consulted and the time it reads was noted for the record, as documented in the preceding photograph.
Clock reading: 5:41:05
